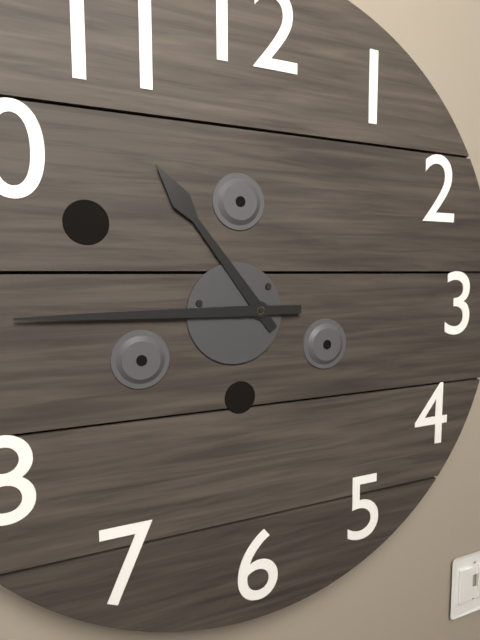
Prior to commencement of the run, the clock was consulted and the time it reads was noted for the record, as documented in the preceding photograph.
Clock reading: 10:45
